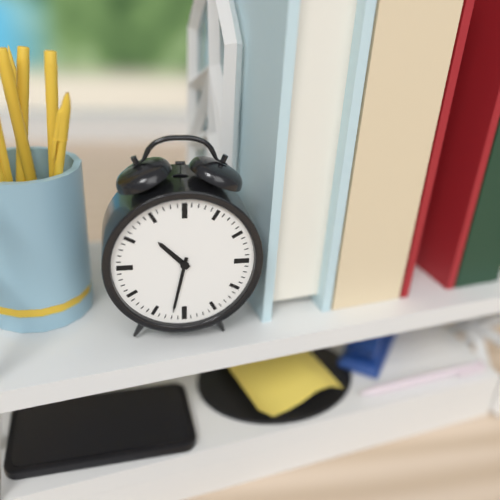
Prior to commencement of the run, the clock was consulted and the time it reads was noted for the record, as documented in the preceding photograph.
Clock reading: 10:32
